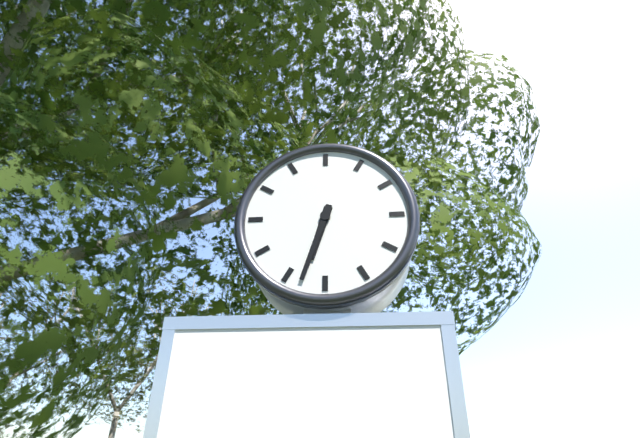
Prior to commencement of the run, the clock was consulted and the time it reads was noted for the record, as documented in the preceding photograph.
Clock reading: 6:33
